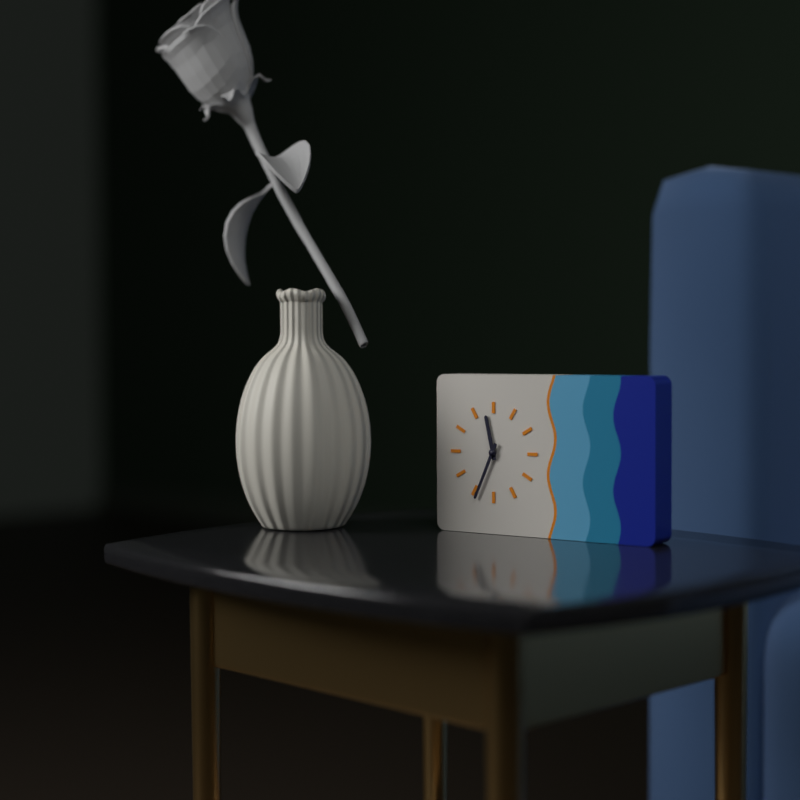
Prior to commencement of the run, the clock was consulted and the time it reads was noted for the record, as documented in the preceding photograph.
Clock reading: 11:34
